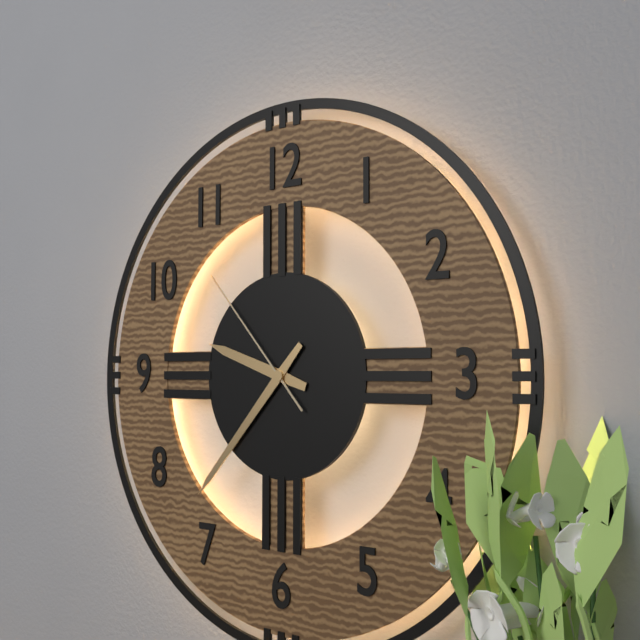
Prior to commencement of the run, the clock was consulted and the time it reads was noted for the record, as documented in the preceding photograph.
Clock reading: 9:37:53
